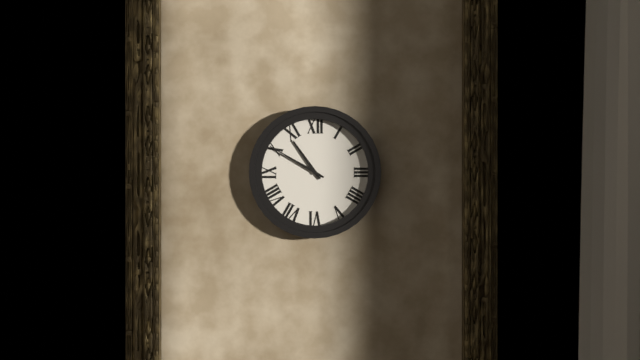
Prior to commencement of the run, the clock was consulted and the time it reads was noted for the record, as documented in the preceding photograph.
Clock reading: 10:50
